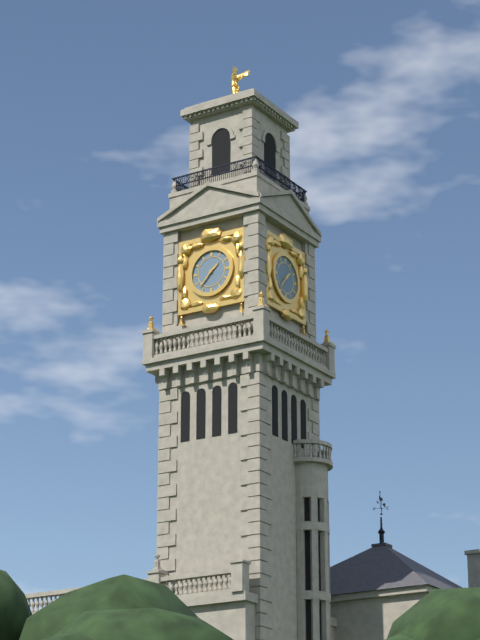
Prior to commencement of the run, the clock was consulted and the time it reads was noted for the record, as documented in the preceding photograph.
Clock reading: 1:37
